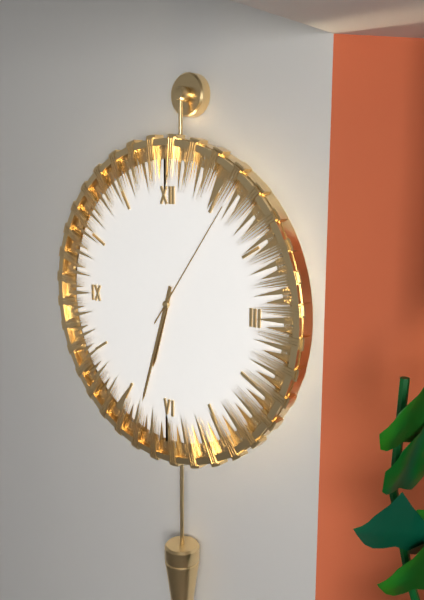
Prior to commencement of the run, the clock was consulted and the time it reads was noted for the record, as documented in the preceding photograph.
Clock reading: 6:33:06
